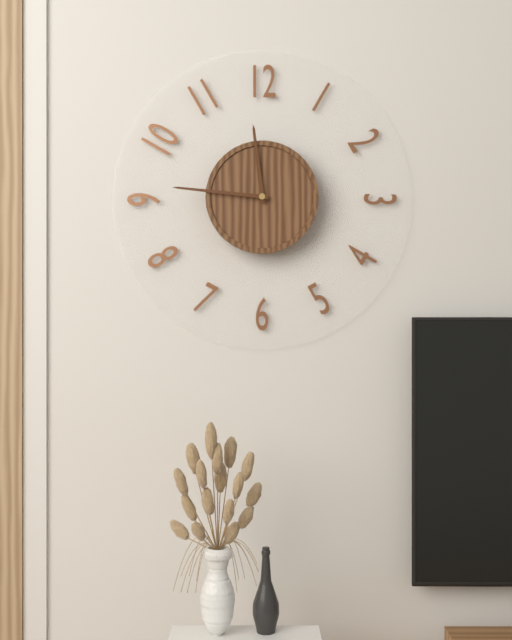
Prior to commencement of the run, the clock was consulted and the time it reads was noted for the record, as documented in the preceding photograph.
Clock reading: 11:46
